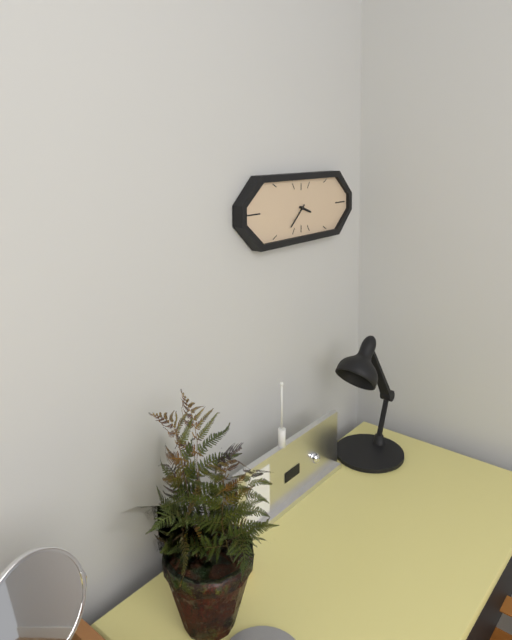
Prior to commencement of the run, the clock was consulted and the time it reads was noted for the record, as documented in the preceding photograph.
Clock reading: 3:38
